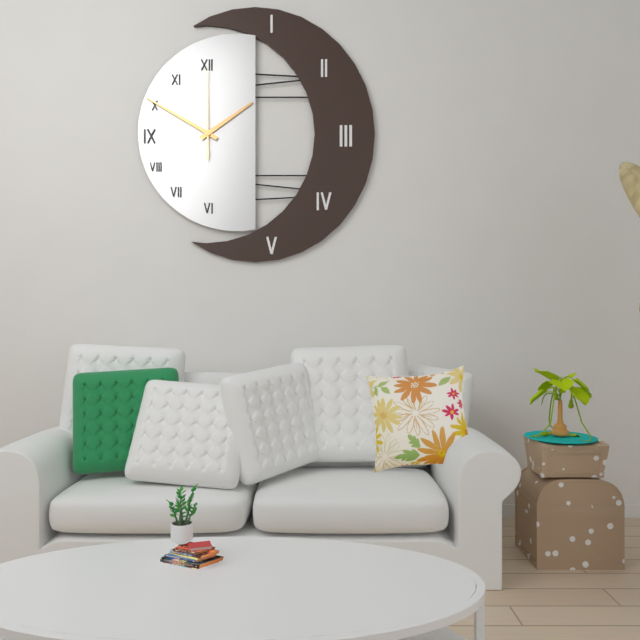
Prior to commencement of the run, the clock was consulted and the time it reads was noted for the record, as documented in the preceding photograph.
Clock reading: 1:50:00
